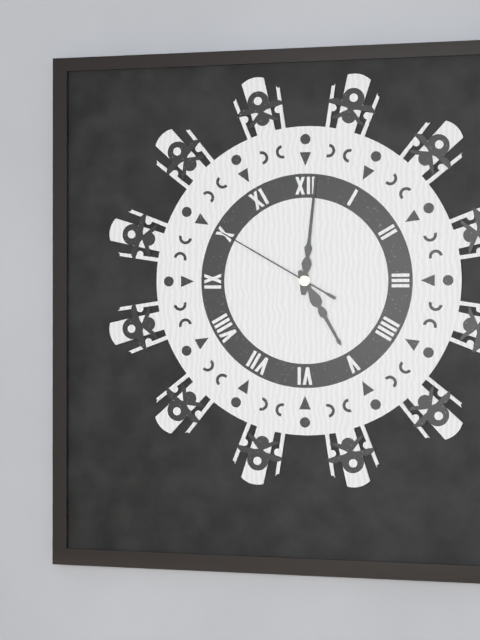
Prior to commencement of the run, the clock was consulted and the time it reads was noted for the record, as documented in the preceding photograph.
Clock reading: 5:01:50
